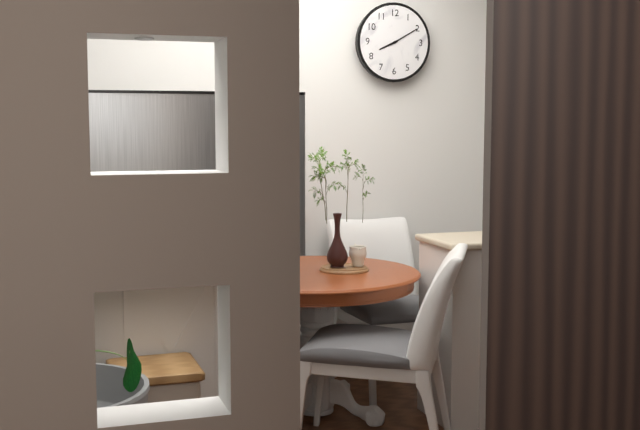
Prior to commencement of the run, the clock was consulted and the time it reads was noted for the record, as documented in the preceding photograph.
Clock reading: 8:10
